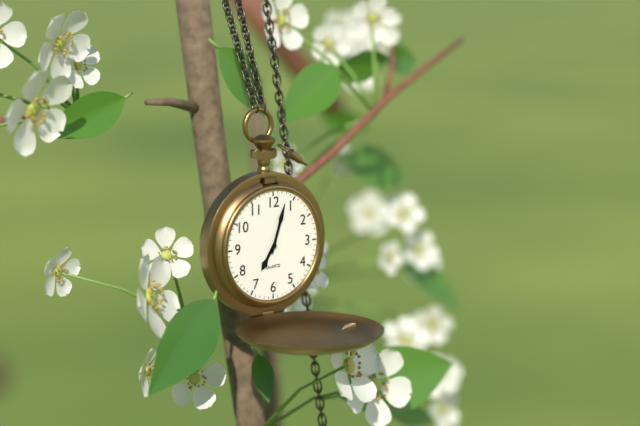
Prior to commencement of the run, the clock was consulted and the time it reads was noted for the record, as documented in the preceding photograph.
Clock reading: 7:03
